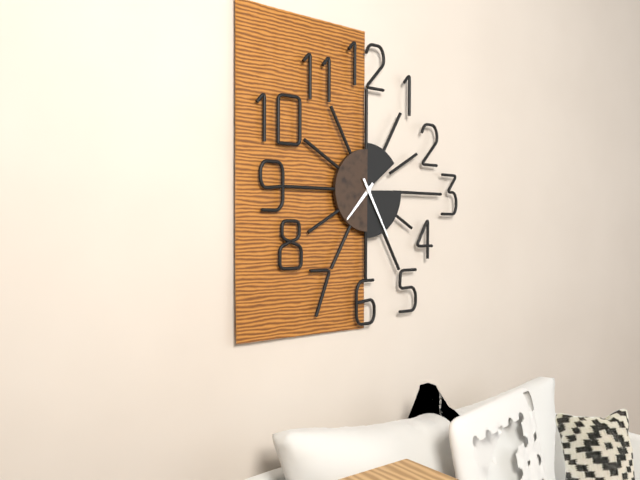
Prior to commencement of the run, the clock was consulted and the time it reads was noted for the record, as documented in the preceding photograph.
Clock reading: 7:25
